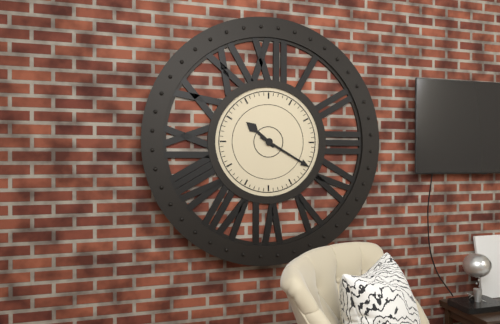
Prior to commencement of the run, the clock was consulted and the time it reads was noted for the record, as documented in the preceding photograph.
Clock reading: 10:20
